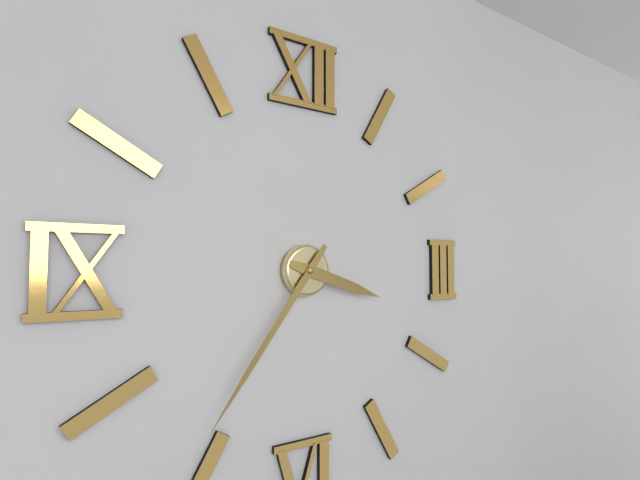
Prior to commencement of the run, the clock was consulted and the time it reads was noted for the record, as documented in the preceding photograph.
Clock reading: 3:36
